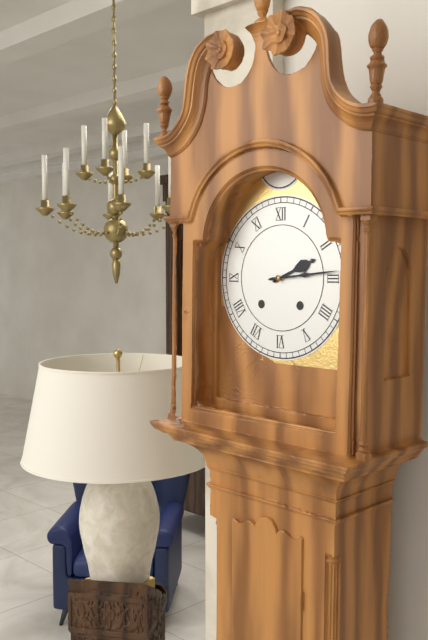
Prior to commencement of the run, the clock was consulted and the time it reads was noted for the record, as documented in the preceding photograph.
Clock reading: 2:14
